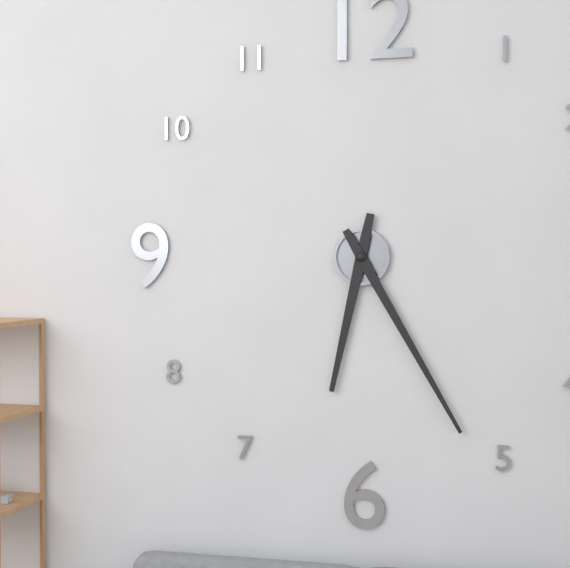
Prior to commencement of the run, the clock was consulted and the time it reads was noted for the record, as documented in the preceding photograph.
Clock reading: 6:25
